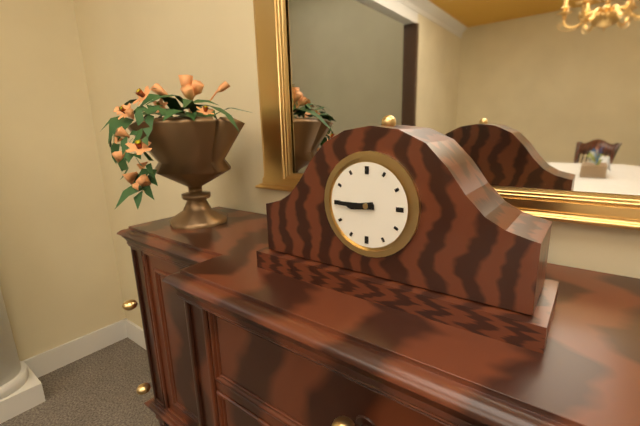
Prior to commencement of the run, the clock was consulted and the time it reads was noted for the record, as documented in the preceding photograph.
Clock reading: 8:45
